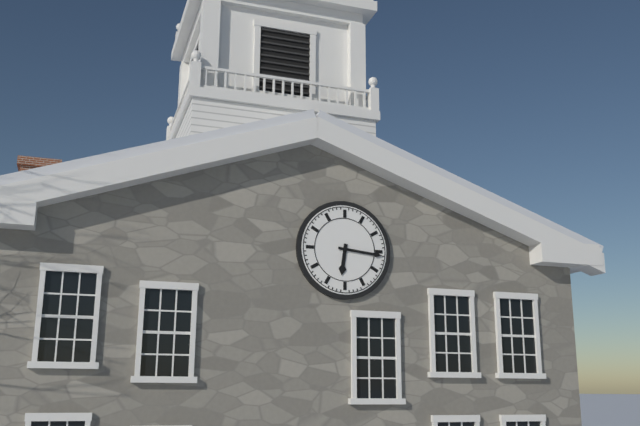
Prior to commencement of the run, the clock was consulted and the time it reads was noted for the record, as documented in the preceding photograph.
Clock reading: 6:16
